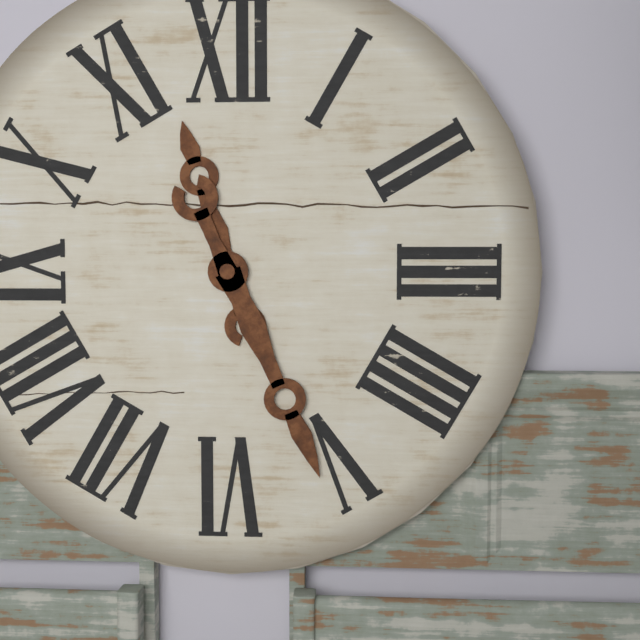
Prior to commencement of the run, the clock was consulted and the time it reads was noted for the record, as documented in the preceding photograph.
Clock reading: 11:26
